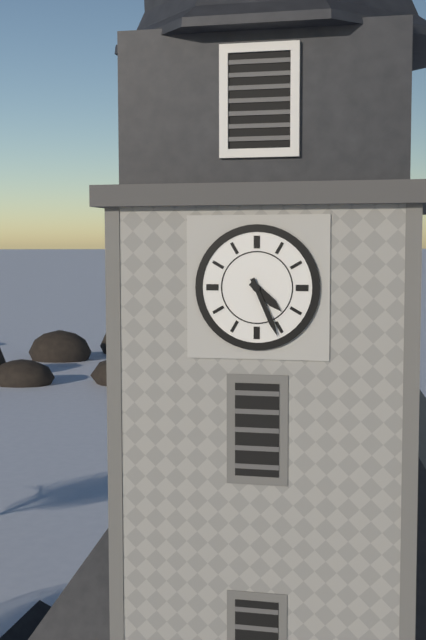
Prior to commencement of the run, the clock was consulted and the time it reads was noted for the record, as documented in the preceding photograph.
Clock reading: 4:26
